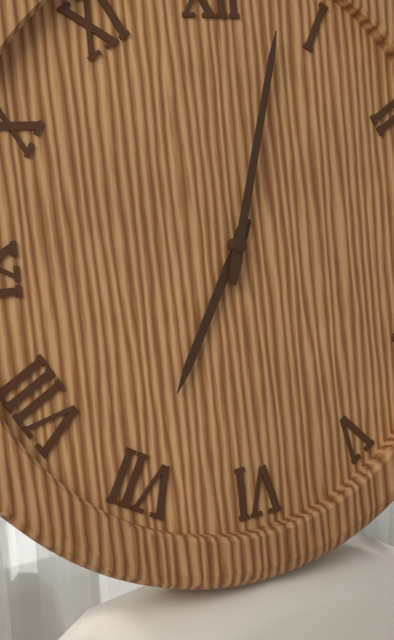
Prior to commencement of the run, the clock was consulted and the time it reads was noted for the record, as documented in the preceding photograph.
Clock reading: 7:03
